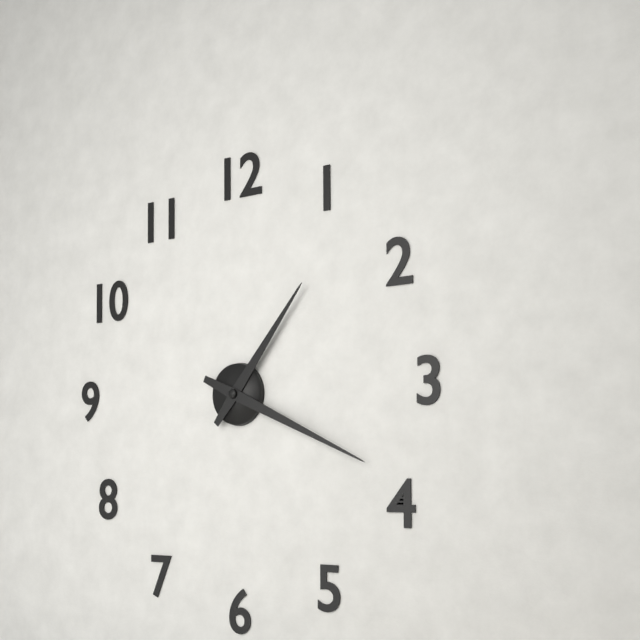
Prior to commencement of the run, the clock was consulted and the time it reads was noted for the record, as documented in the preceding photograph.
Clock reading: 1:19
